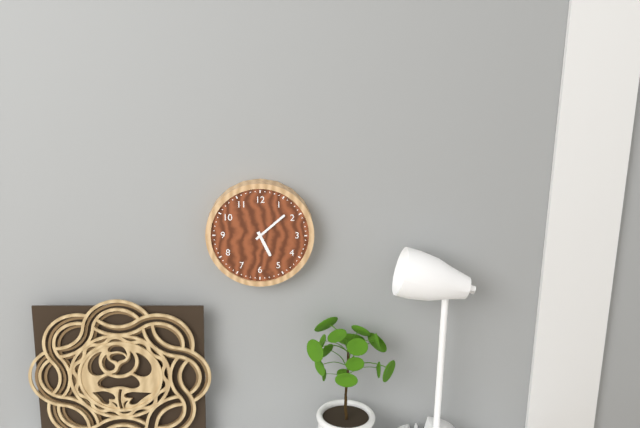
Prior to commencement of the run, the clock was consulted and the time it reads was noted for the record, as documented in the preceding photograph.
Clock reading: 5:08
